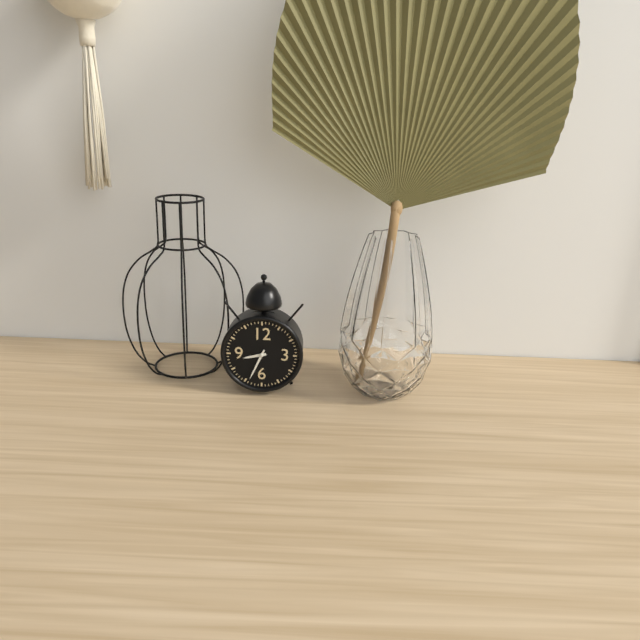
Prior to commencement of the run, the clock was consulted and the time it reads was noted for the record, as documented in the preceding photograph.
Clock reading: 8:34
